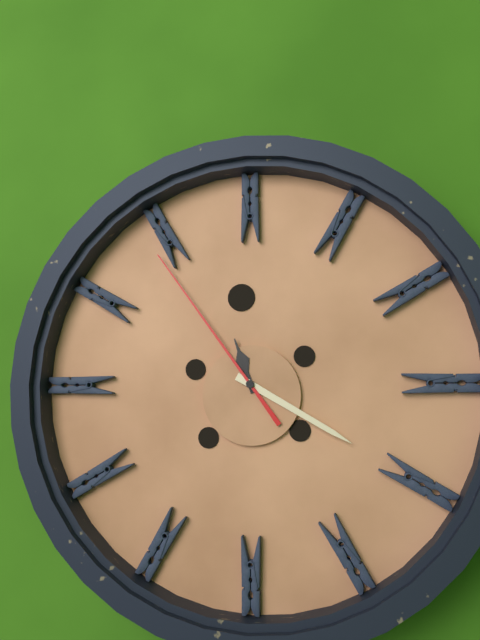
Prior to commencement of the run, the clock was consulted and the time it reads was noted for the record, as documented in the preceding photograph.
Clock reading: 11:20:54
